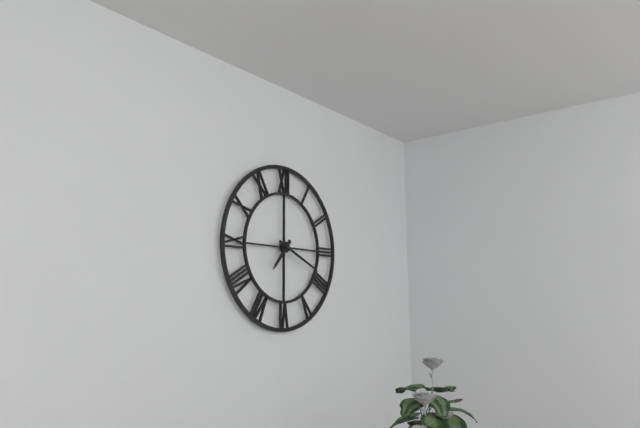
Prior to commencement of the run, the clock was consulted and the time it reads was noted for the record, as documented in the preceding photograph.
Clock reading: 7:19
